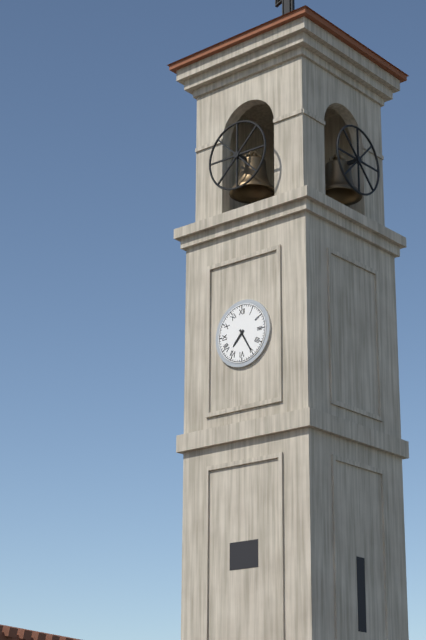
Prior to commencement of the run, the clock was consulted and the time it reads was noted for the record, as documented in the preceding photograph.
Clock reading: 7:25
